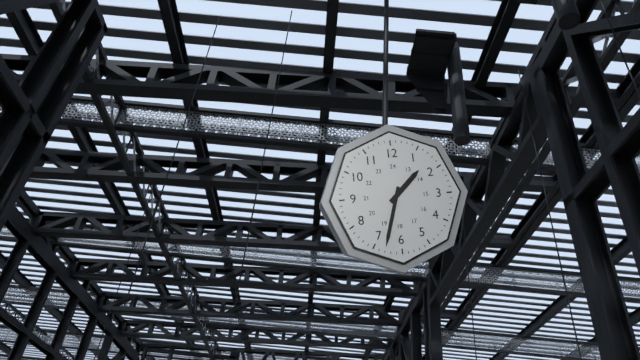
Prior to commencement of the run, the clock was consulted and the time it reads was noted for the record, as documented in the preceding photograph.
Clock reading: 1:33
